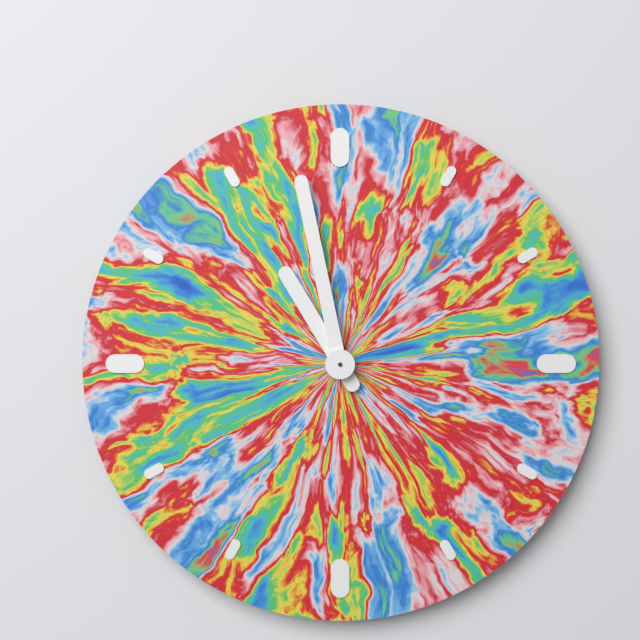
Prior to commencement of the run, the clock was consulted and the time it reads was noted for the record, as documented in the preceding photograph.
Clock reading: 10:58
